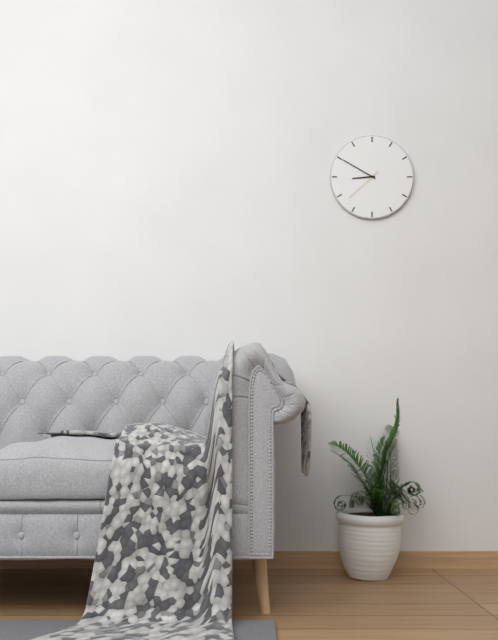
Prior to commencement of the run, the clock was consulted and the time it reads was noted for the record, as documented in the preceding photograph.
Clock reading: 8:50
